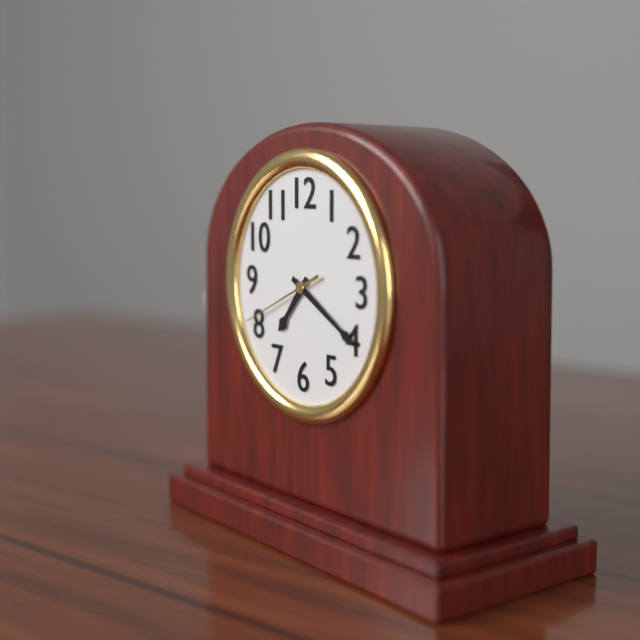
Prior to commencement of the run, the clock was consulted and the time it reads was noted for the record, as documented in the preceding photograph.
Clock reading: 7:20:41
